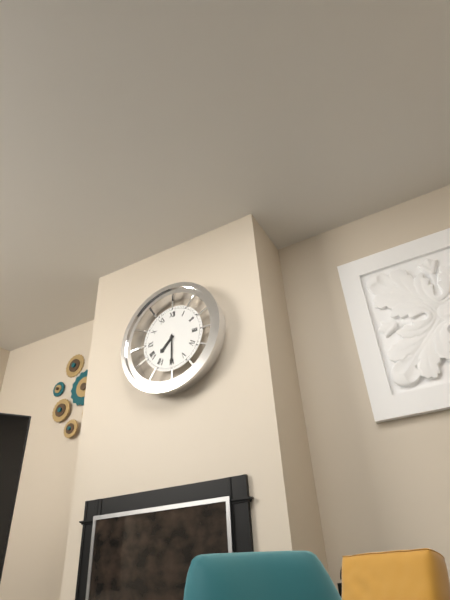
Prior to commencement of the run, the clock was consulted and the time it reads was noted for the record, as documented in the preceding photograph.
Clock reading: 7:30
